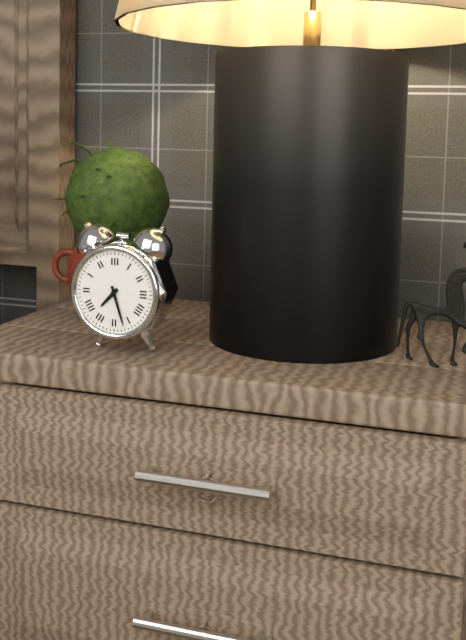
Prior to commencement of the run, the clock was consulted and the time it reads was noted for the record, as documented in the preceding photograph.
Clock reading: 7:27
